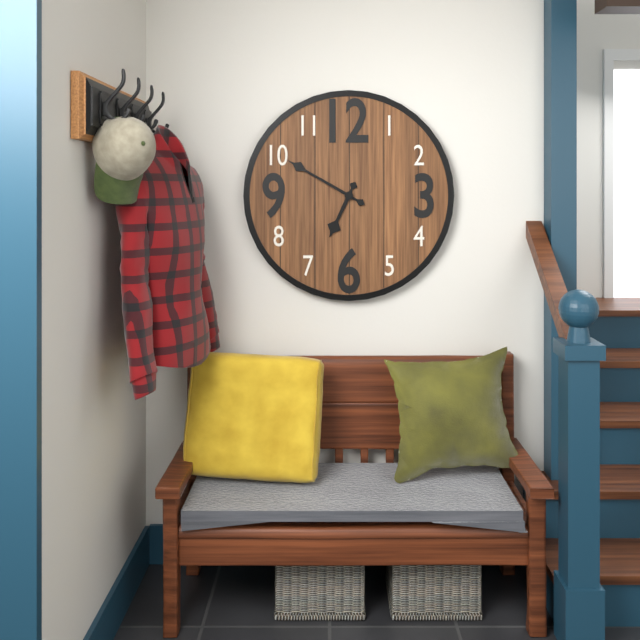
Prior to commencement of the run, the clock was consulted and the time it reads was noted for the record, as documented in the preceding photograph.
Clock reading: 6:50
